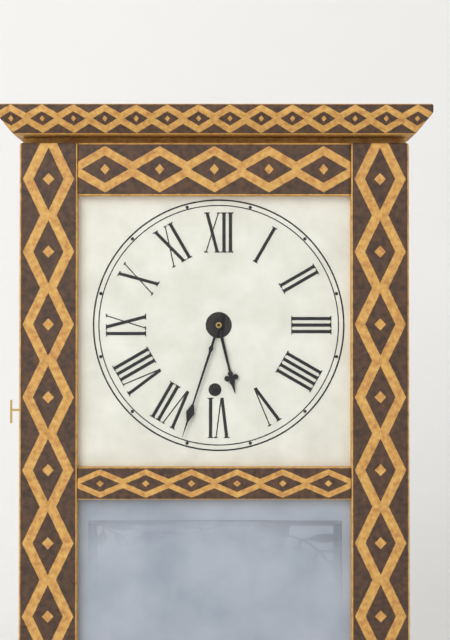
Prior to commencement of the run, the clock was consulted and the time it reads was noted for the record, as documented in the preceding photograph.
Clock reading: 5:33
